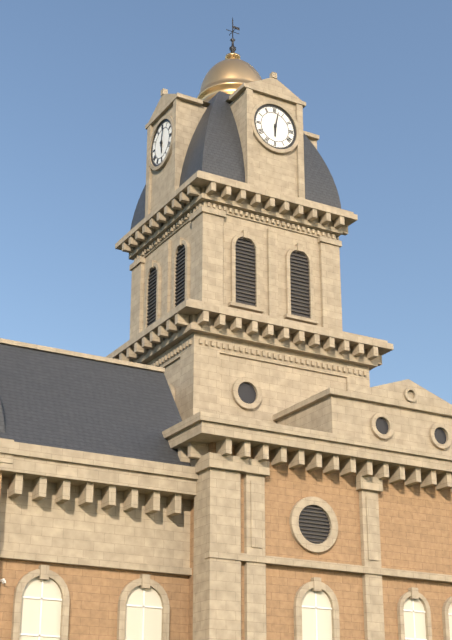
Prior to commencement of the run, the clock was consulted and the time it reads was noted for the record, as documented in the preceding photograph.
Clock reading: 6:02
